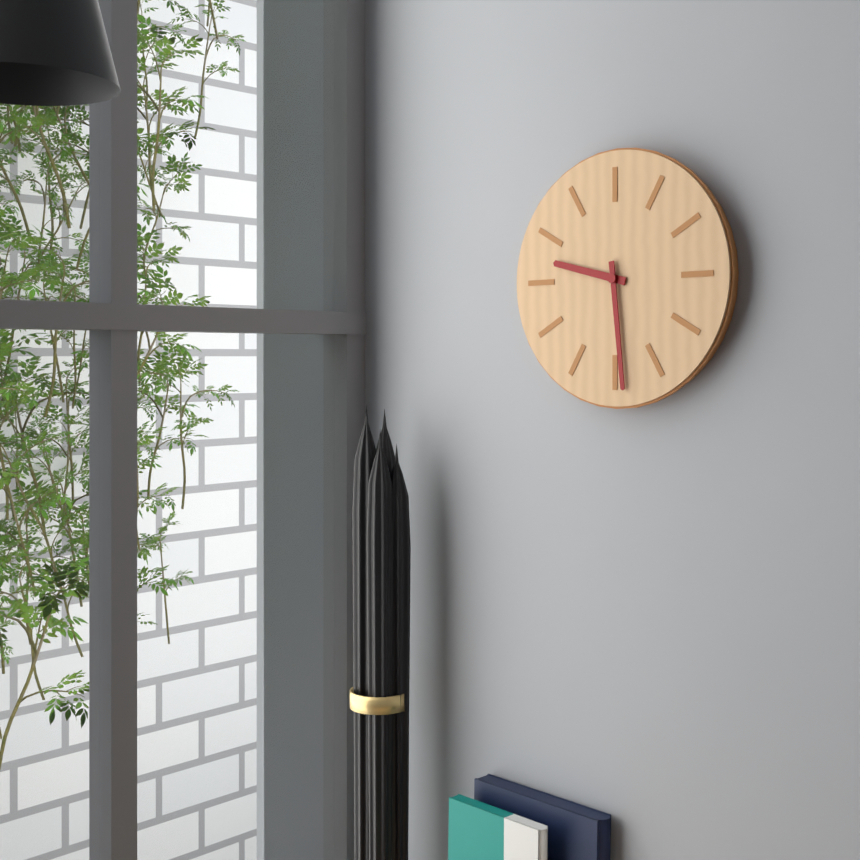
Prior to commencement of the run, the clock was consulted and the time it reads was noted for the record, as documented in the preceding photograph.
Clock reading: 9:29
